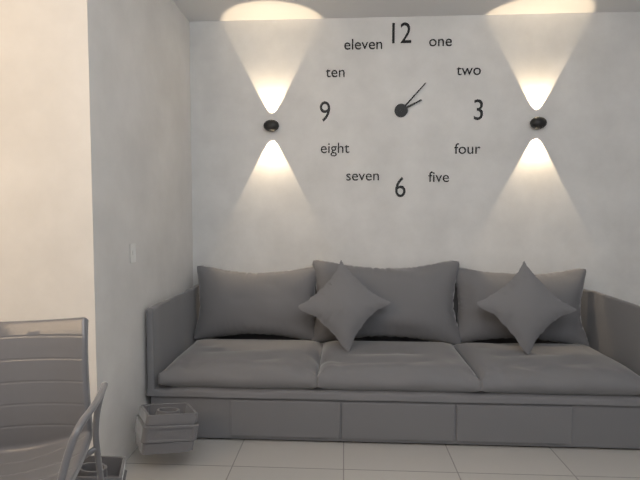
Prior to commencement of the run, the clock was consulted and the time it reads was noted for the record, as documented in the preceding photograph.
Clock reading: 2:07
